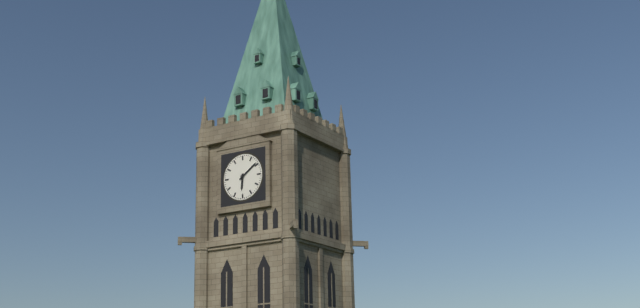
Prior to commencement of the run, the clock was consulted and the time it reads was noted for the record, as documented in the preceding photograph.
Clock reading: 6:09
